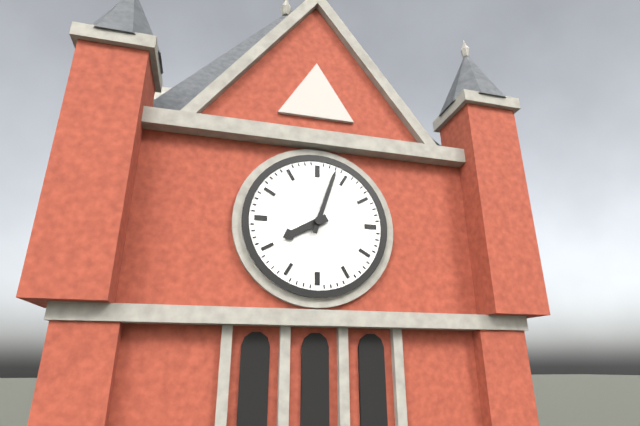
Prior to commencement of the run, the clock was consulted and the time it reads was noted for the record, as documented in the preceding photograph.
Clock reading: 8:03
